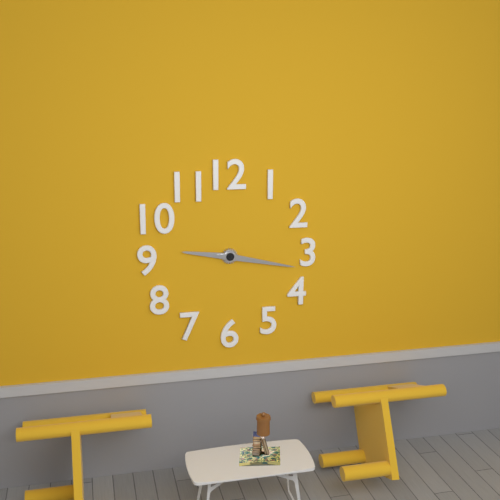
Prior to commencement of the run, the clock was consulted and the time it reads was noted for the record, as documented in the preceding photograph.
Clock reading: 9:17
